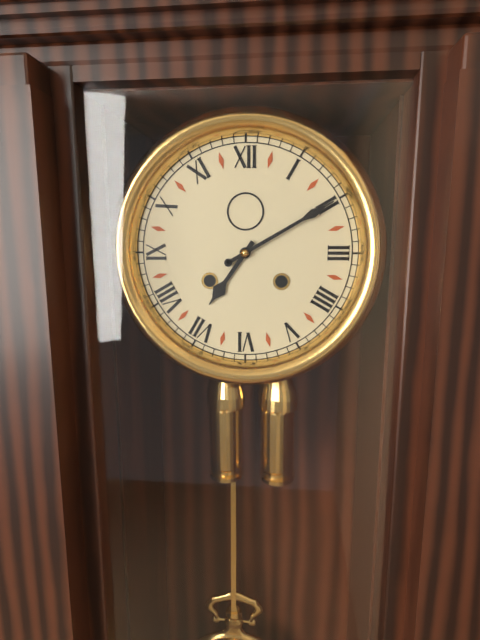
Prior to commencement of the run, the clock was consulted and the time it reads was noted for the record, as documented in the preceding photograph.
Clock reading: 7:10
